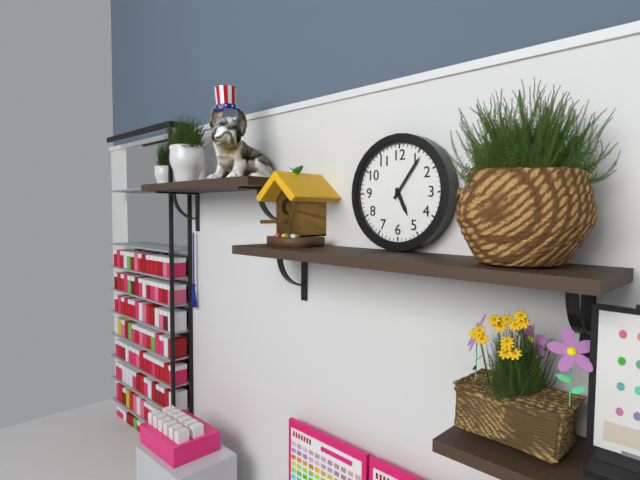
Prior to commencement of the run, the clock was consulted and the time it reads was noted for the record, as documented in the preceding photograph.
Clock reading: 5:06
